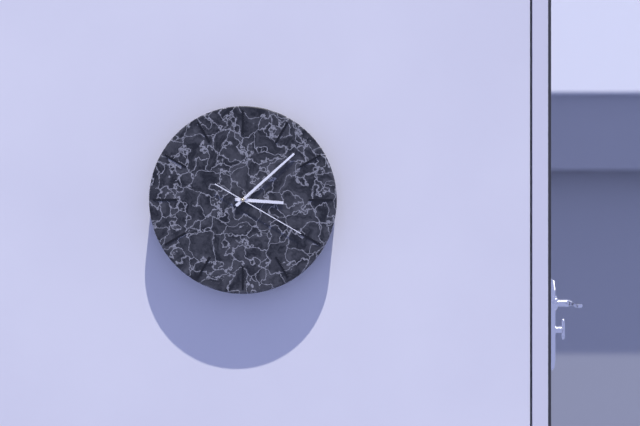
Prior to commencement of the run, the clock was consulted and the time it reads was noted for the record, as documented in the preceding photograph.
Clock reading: 3:08:20
